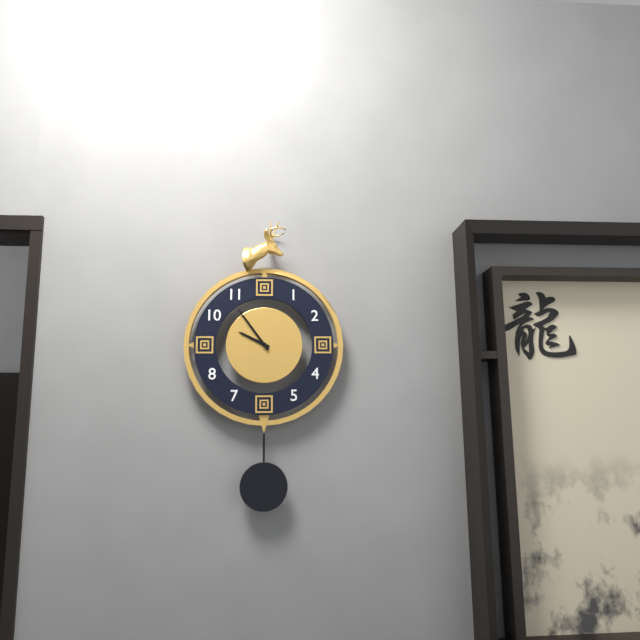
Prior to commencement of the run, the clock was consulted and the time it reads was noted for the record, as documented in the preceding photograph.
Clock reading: 9:54
